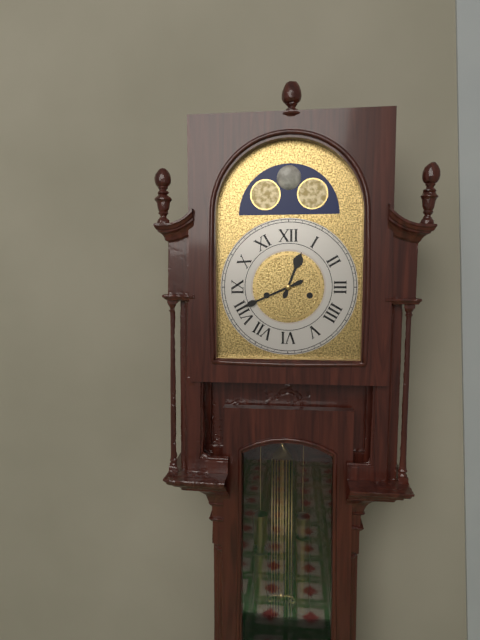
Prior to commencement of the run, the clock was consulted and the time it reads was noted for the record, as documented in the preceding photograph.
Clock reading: 12:41
